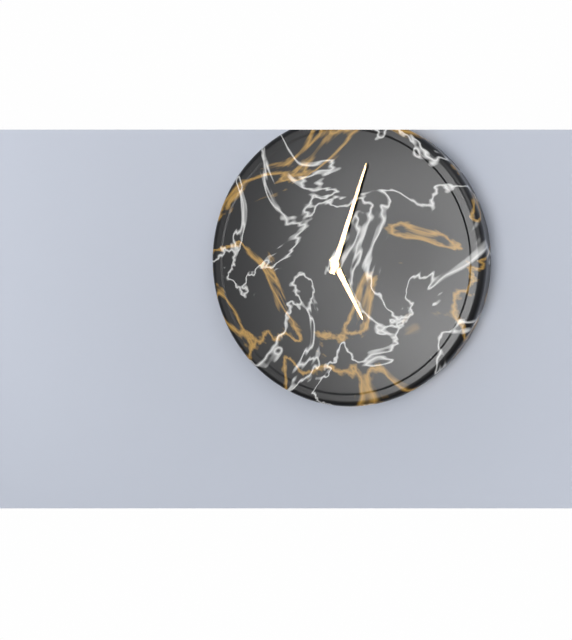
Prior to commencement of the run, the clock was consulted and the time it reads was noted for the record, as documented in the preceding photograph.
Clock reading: 5:03
